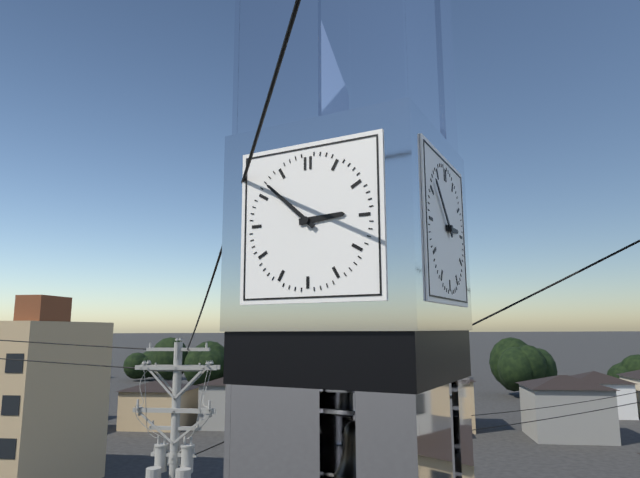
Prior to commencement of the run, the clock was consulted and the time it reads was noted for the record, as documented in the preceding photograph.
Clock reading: 2:52
